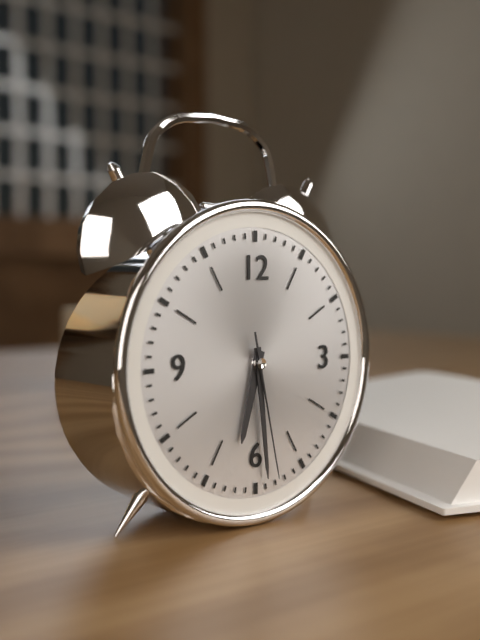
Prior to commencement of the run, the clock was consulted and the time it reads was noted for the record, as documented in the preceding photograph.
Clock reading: 6:29:28
